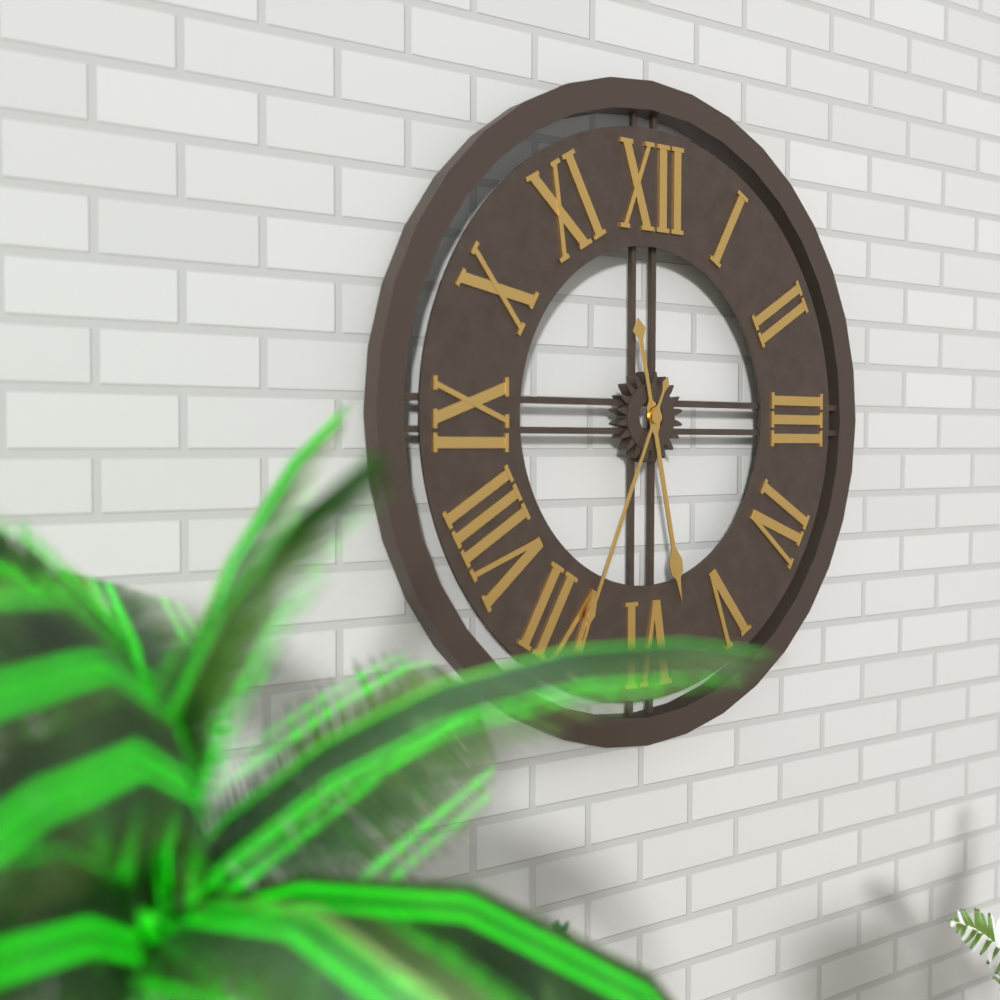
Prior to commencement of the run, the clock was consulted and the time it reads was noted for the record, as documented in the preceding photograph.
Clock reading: 5:34
